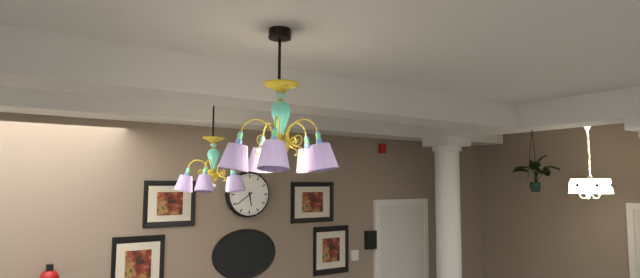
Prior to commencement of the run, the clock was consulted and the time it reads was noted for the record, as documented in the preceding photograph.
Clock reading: 5:39
